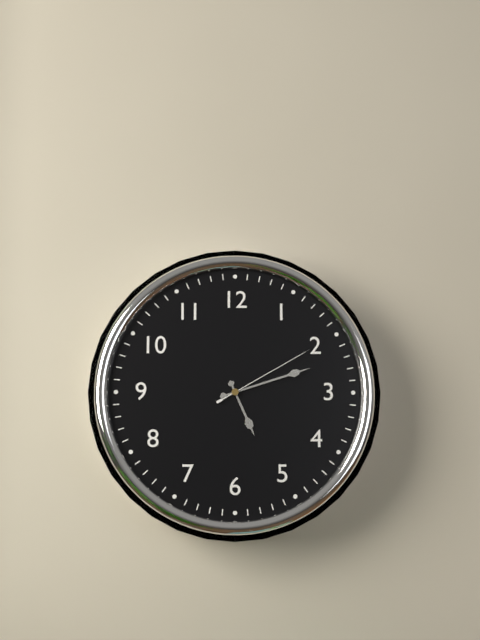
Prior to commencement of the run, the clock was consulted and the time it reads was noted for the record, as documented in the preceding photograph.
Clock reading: 5:12:10
